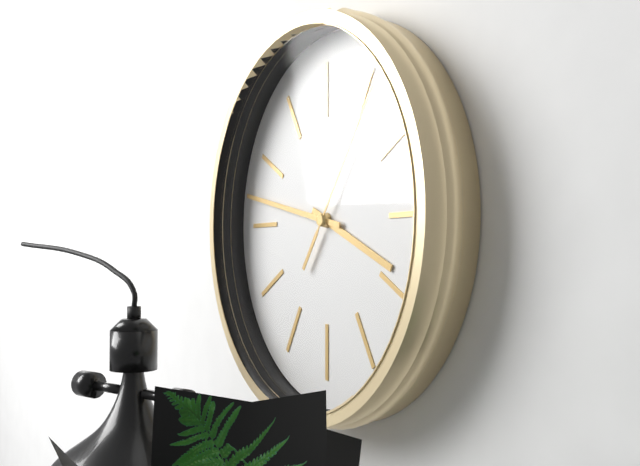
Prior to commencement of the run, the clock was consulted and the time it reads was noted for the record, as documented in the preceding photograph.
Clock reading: 3:47:06
